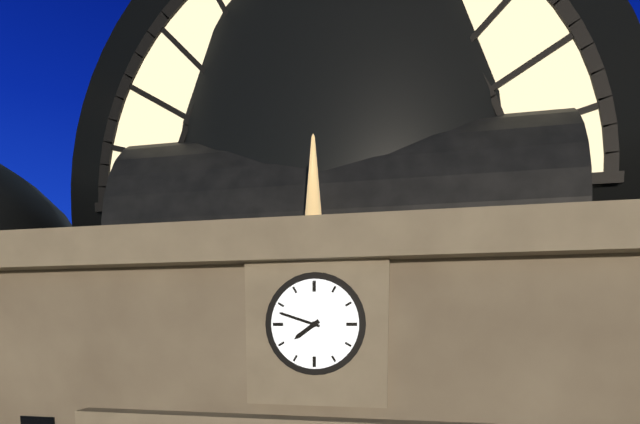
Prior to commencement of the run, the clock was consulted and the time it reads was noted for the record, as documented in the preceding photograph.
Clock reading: 7:48
